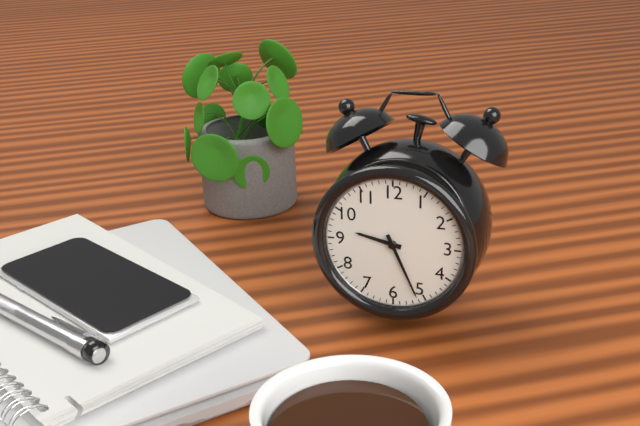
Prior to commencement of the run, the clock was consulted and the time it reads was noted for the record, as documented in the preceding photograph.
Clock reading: 9:26
